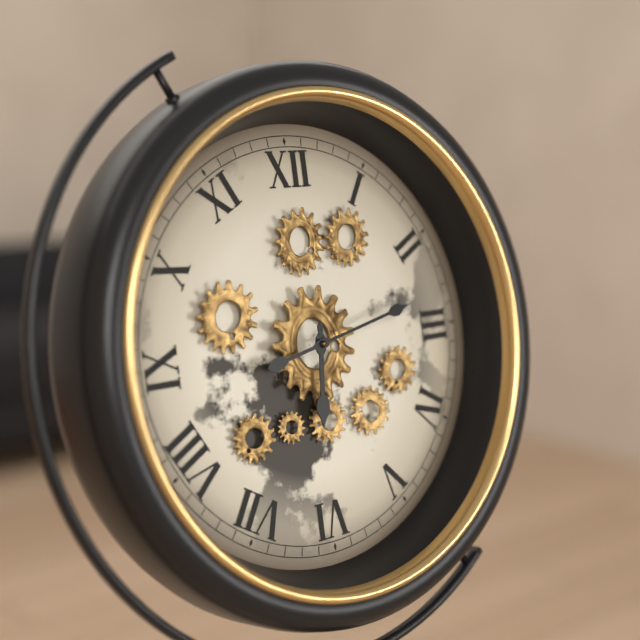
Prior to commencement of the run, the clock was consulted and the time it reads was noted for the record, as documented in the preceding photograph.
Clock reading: 6:13
